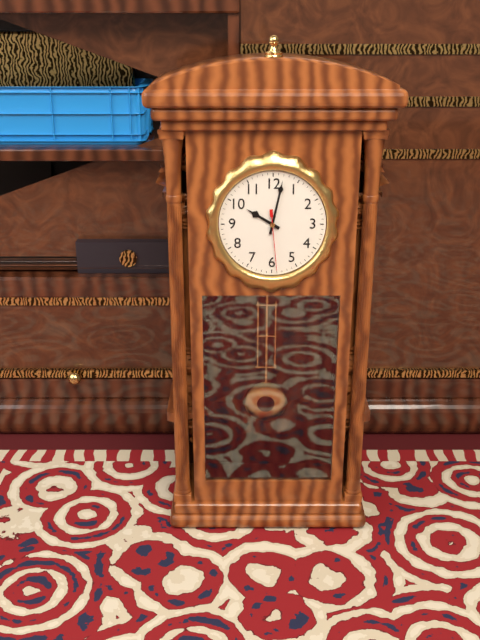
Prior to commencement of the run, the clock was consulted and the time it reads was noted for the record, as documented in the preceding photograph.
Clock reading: 10:02:29
